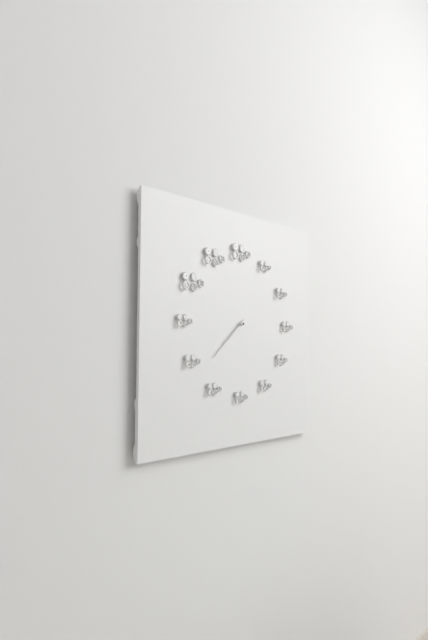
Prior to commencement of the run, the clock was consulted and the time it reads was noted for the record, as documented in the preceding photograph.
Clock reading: 7:38
